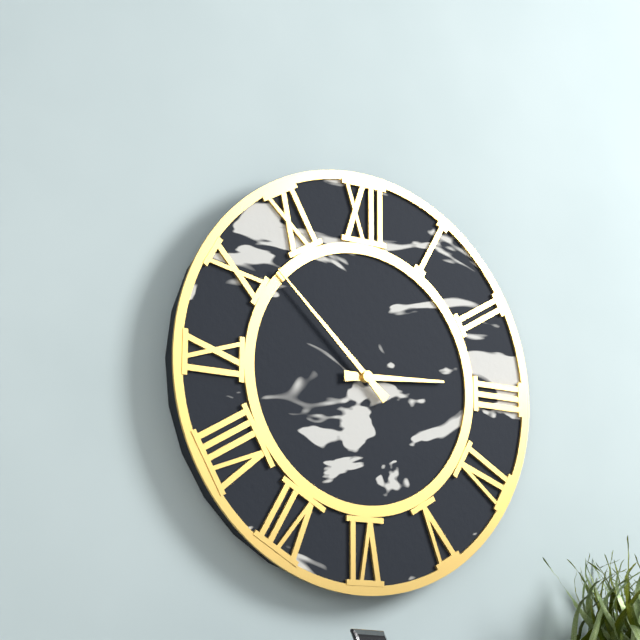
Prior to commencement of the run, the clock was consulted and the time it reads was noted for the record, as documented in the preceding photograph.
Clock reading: 2:52
